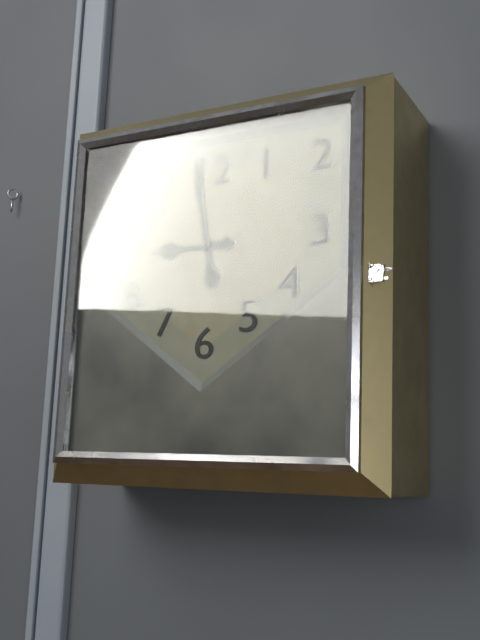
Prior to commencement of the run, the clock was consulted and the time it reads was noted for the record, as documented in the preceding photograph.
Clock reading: 8:58
